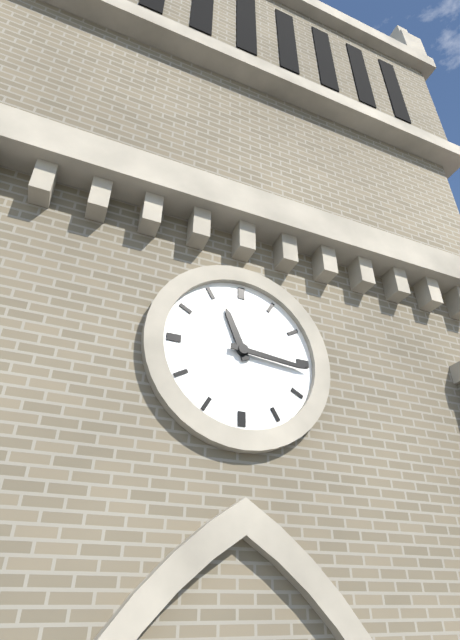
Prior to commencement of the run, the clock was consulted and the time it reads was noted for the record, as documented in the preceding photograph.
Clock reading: 11:16
